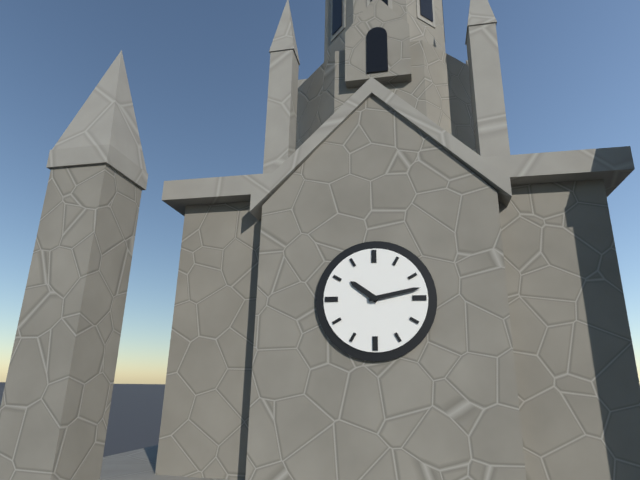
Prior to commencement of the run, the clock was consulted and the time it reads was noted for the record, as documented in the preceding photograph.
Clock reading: 10:13
